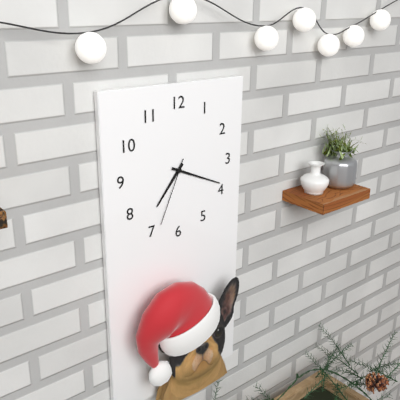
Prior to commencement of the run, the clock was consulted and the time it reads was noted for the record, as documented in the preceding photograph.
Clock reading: 7:19:34
